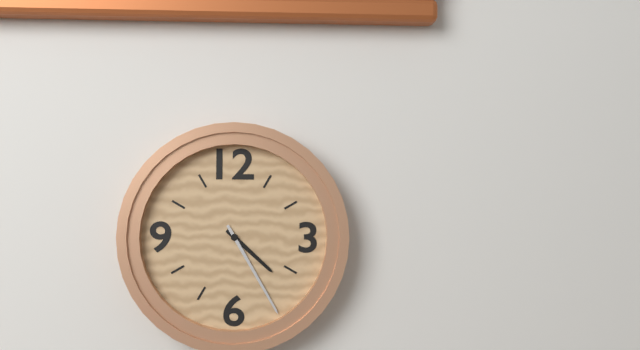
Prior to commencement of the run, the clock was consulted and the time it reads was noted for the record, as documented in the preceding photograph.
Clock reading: 4:25
